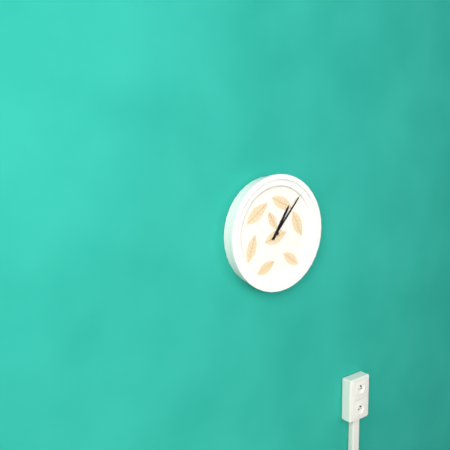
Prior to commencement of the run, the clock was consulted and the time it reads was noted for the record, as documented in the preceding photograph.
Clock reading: 1:07
